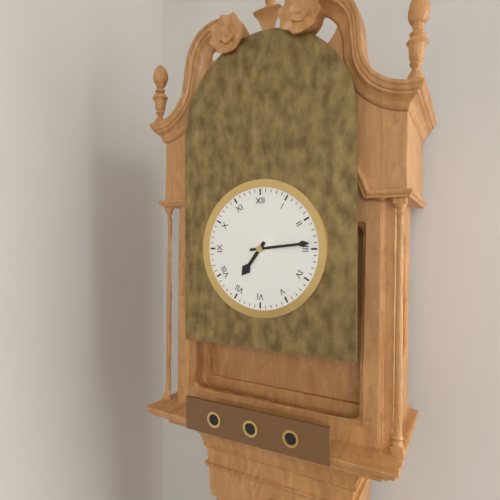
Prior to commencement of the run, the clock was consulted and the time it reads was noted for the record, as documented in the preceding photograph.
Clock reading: 7:14
